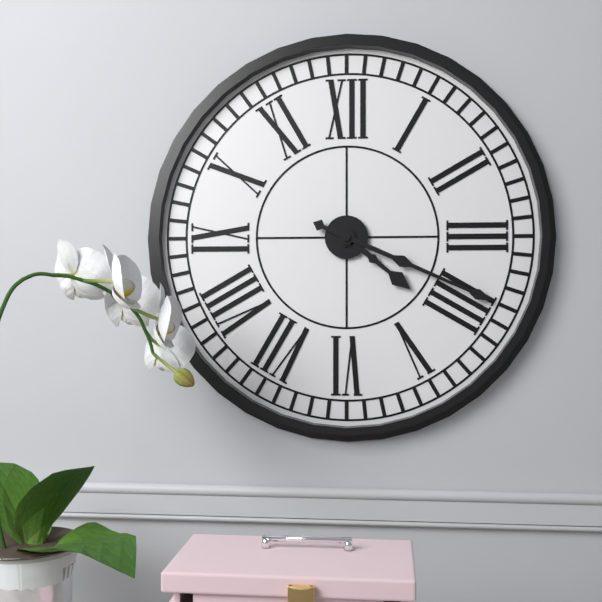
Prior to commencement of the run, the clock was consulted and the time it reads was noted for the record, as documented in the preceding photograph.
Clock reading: 4:19
